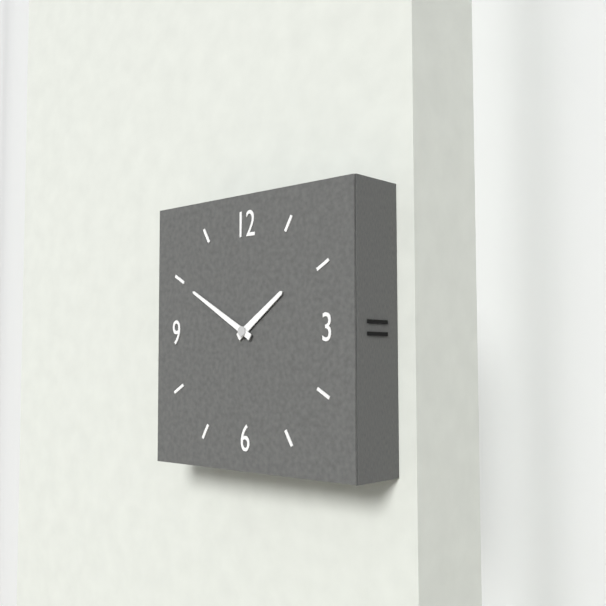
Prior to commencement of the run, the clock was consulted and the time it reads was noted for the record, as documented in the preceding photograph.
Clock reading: 1:50
